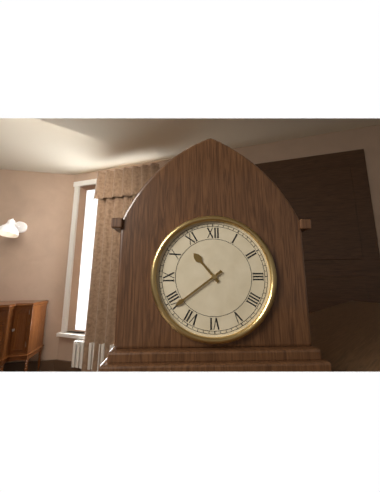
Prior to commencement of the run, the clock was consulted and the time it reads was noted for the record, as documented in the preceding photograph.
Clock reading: 10:39
